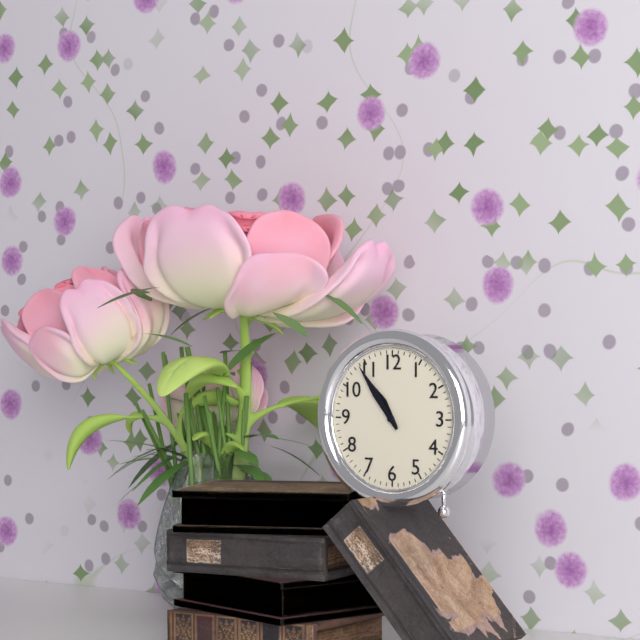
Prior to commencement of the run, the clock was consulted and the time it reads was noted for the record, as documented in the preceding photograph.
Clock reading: 10:54
